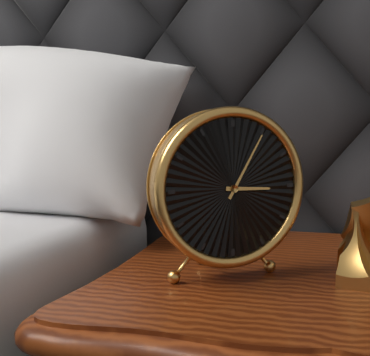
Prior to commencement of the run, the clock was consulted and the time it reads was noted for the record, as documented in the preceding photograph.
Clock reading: 3:05
